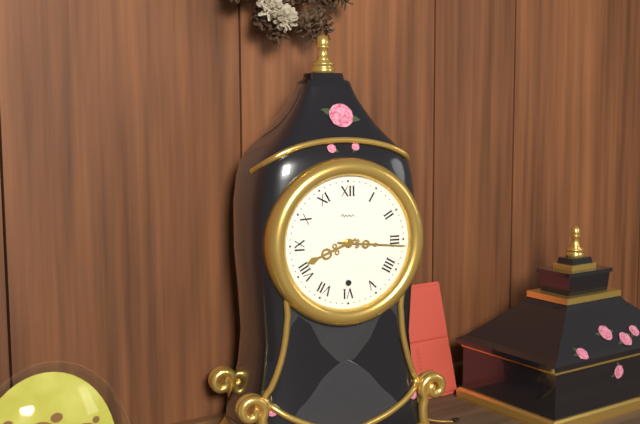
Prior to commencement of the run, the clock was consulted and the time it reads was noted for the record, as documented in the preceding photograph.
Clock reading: 8:16
